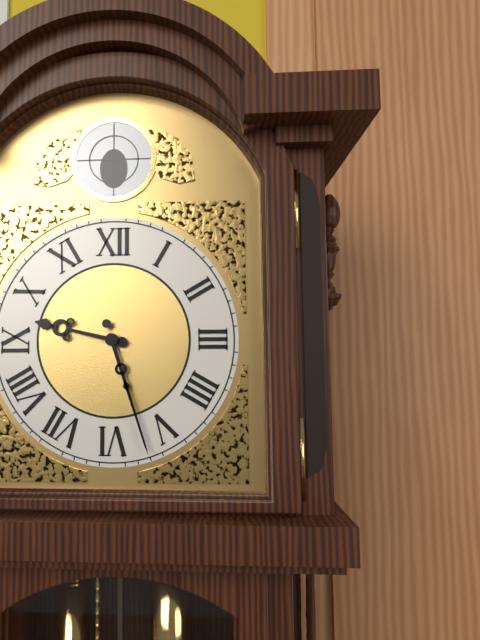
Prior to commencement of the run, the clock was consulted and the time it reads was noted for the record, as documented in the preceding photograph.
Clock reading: 9:27
